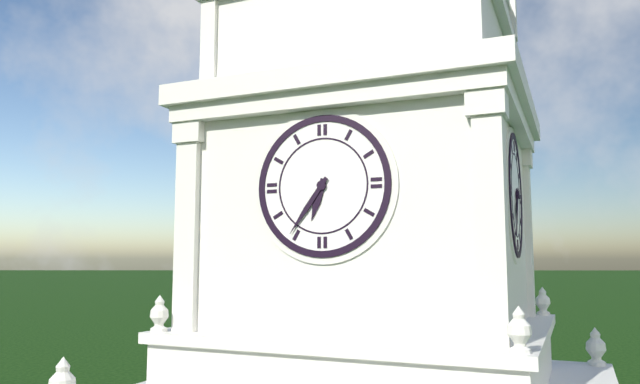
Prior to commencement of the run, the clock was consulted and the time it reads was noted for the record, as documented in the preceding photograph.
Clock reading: 6:36
